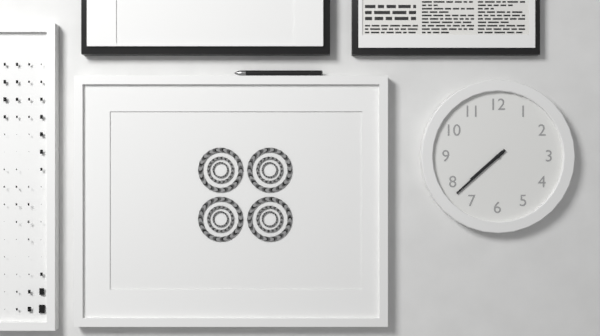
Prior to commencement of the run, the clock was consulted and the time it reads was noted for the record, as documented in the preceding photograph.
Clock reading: 7:38
